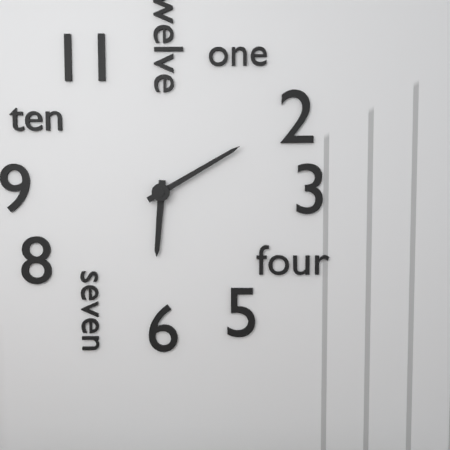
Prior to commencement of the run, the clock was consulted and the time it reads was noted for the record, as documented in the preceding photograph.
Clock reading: 6:10
